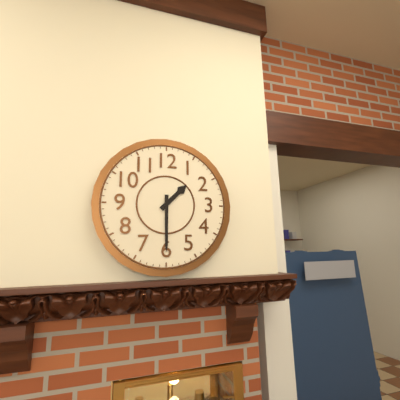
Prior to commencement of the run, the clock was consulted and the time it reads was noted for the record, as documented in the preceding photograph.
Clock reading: 1:30
